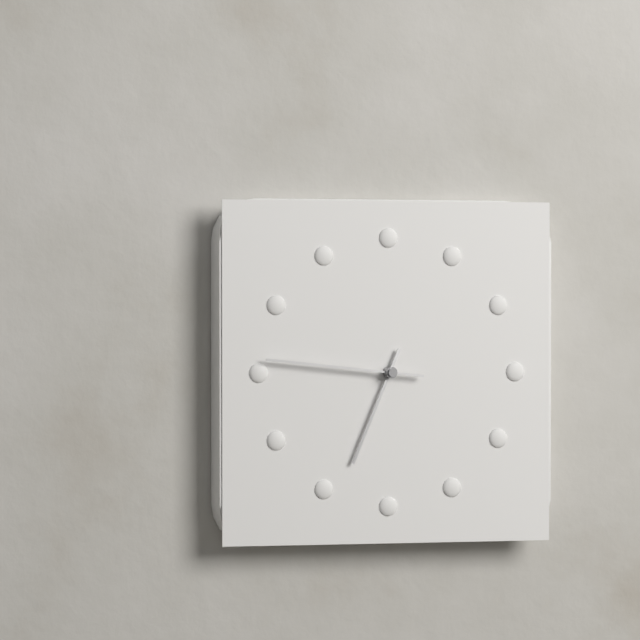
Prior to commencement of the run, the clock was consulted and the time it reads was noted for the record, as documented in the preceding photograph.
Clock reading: 6:46
